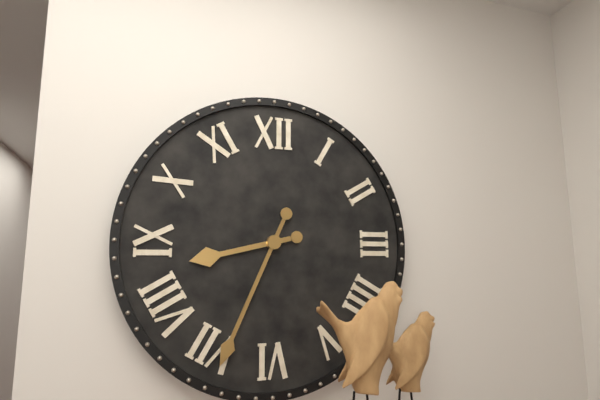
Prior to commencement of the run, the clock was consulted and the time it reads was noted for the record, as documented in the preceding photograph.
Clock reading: 8:34
